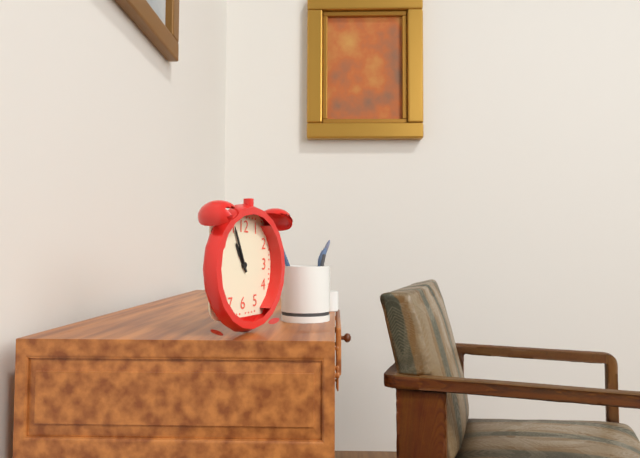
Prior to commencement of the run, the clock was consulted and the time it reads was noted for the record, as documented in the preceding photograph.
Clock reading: 10:56
